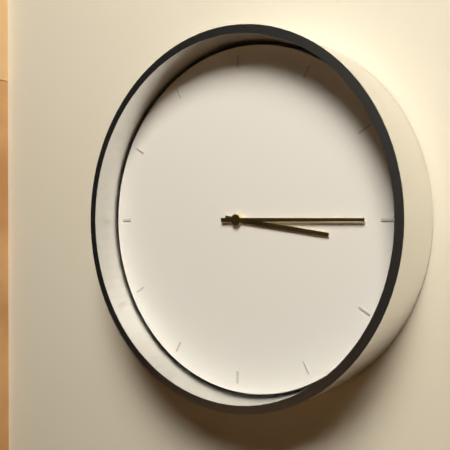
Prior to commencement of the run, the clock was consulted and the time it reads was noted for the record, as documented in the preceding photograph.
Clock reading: 3:15
